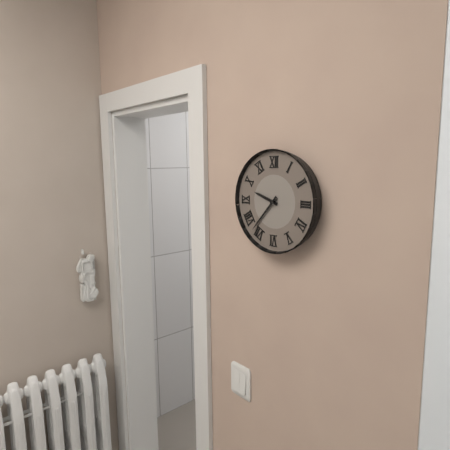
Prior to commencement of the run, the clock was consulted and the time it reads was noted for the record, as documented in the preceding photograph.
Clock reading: 9:37
